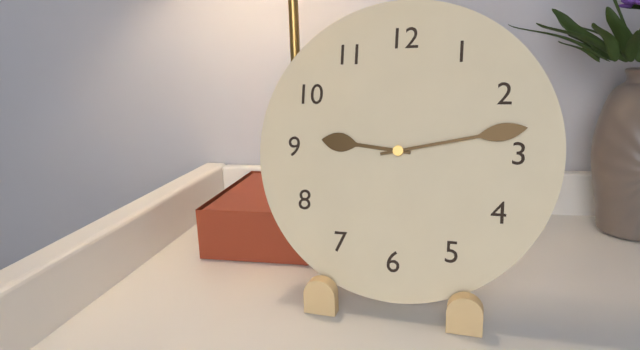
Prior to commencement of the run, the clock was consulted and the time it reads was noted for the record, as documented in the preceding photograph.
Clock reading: 9:13
